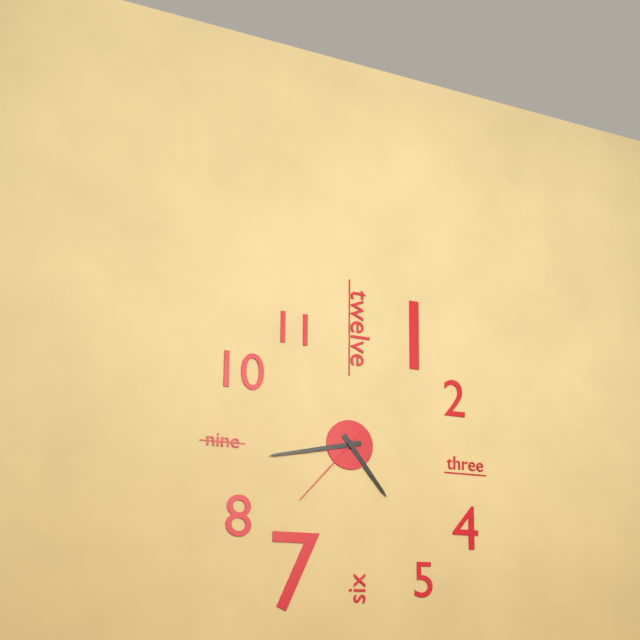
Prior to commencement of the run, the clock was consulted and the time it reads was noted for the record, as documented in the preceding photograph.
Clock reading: 4:43:37
